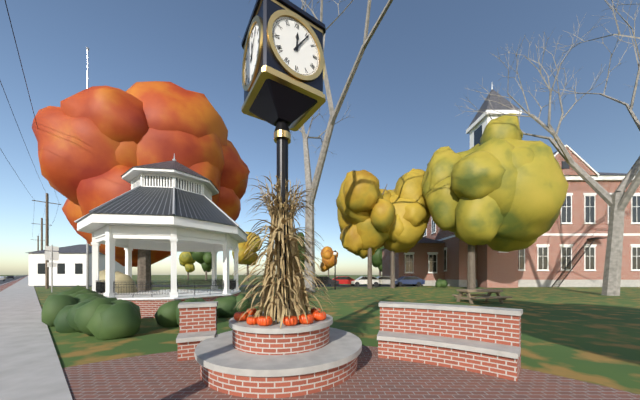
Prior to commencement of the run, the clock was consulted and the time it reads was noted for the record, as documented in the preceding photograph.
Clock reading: 12:06
